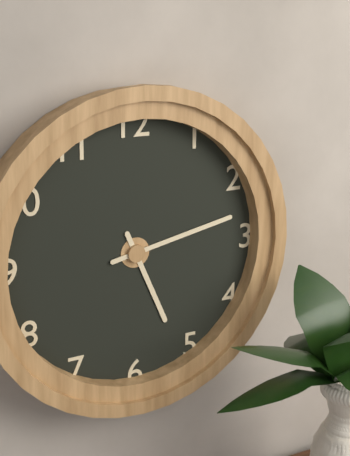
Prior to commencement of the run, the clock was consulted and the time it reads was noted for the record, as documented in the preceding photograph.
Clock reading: 5:13
